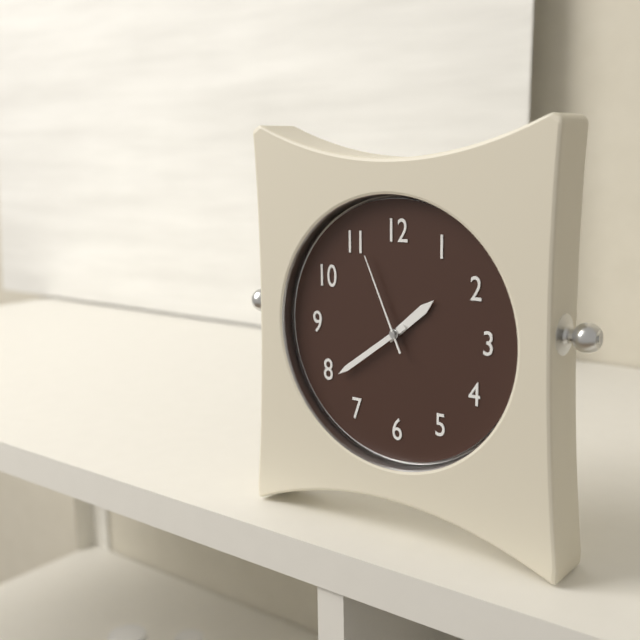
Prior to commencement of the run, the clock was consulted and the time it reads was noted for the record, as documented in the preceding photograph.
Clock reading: 1:39:56
